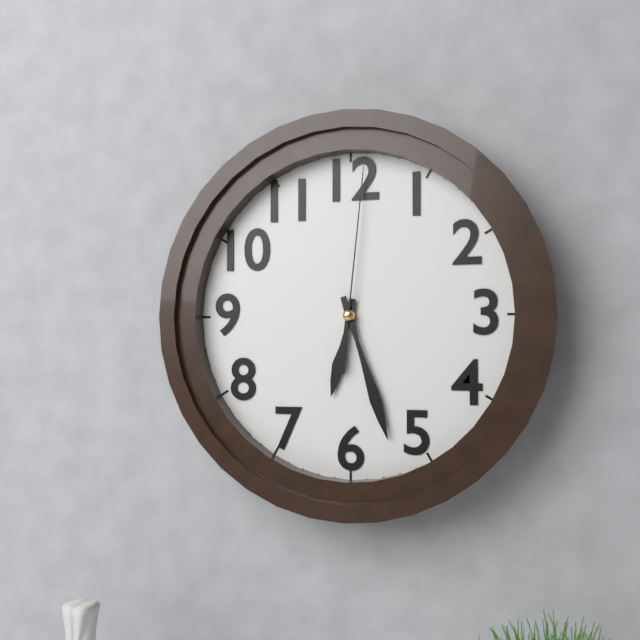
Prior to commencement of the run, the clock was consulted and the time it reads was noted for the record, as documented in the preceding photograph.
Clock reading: 6:27:01
